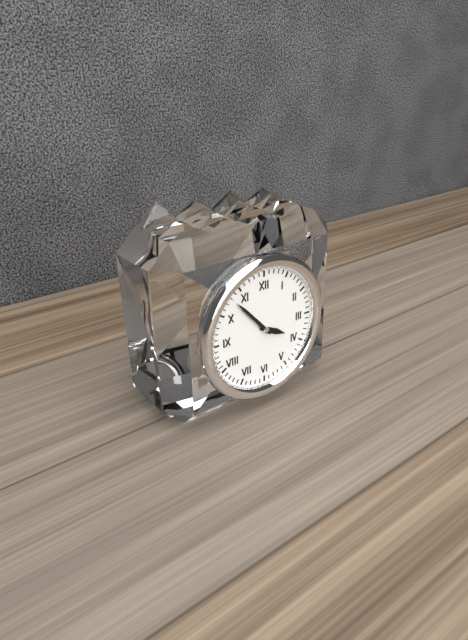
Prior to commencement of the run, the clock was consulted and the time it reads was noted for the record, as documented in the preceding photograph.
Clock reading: 3:53
